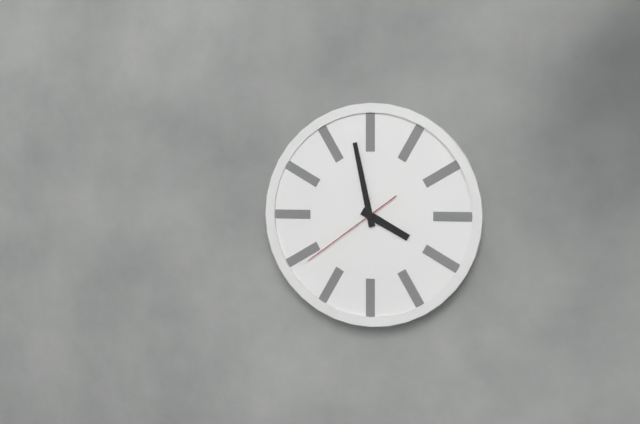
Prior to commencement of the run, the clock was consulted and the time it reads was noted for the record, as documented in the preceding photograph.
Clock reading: 3:58:39
